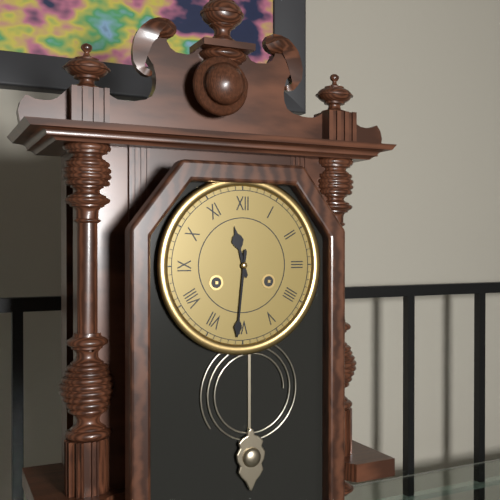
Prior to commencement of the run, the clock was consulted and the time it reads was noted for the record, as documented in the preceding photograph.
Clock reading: 11:31
